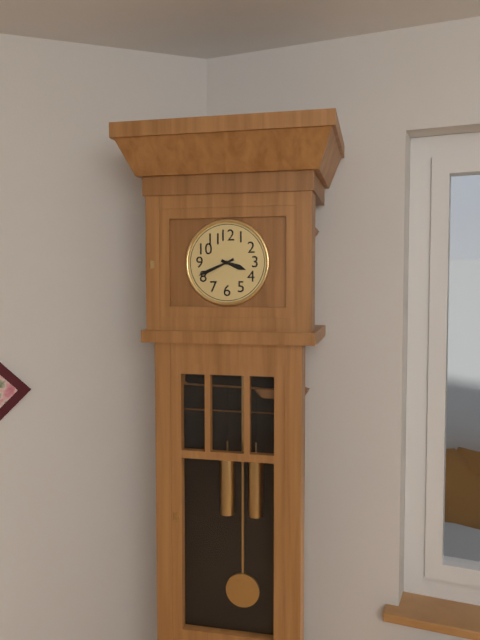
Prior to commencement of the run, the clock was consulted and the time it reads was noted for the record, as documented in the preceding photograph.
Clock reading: 3:41
